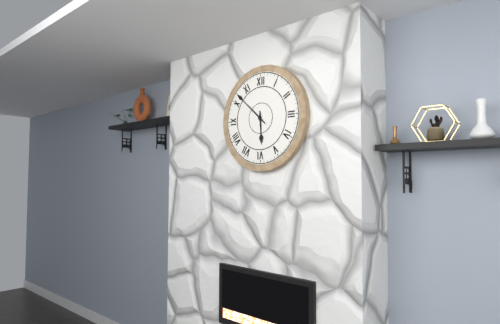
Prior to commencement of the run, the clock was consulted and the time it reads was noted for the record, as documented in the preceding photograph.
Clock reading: 5:52
